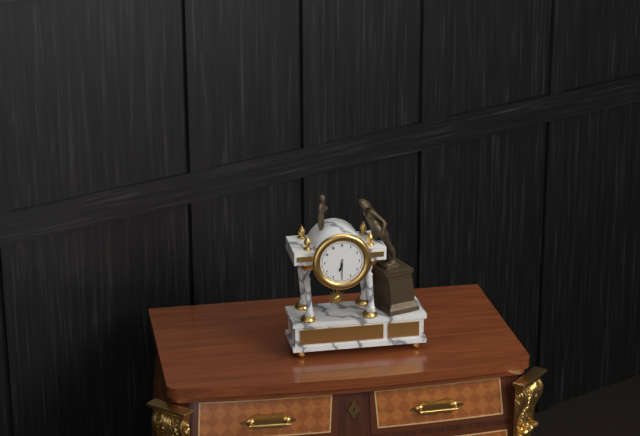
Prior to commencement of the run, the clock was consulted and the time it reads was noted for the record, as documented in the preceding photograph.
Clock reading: 6:30
